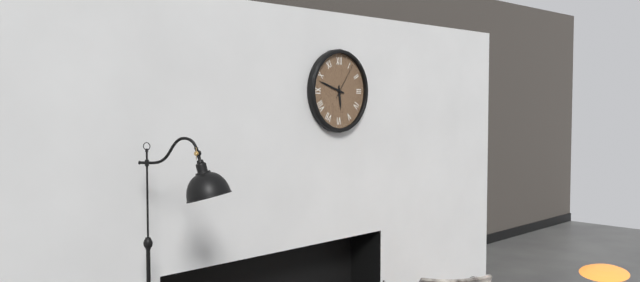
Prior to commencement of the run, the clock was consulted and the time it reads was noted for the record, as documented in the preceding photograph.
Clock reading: 5:48
